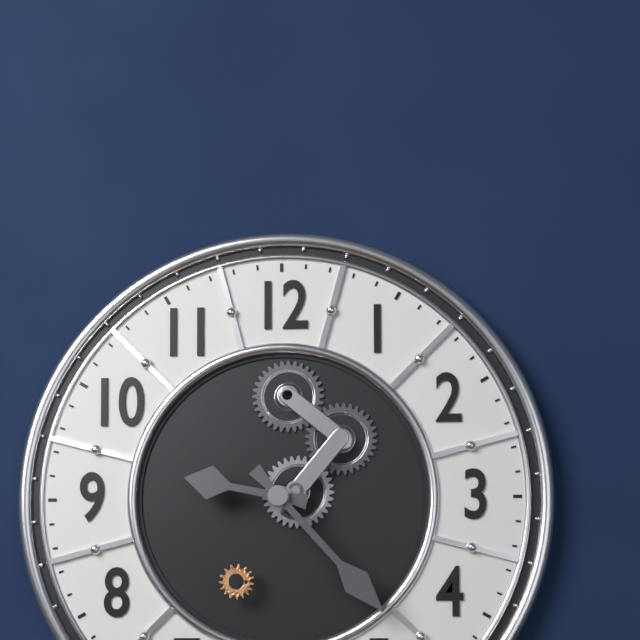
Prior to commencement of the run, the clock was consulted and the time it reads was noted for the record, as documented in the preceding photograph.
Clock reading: 9:23
